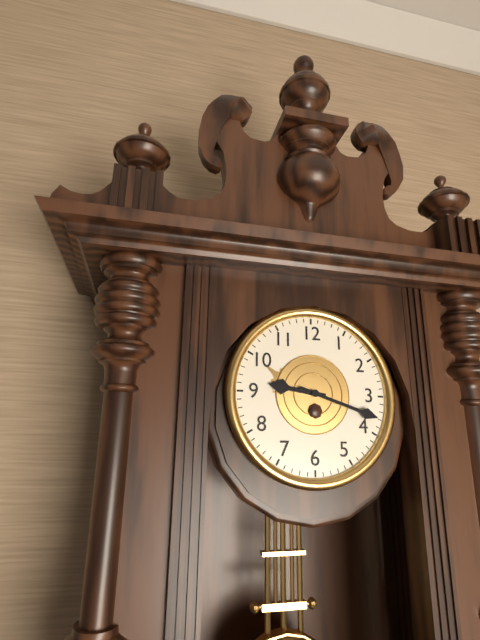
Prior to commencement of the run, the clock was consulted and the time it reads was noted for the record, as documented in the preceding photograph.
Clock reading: 9:18
